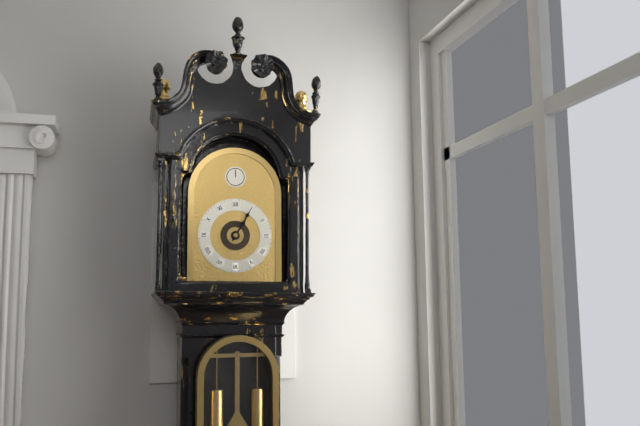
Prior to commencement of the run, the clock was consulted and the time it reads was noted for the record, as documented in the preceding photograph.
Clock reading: 1:05
